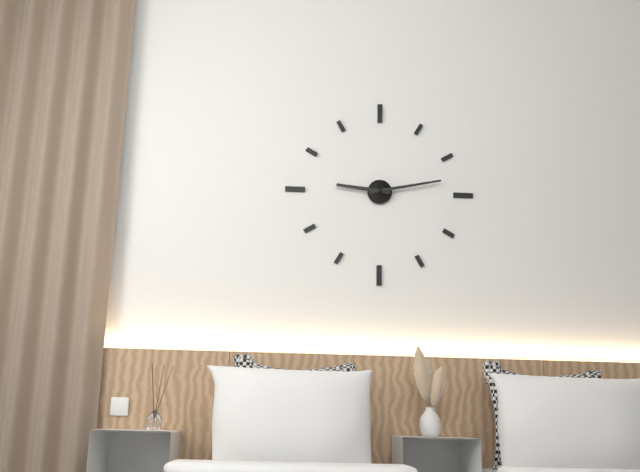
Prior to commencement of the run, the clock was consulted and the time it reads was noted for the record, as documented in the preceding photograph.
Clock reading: 9:13
